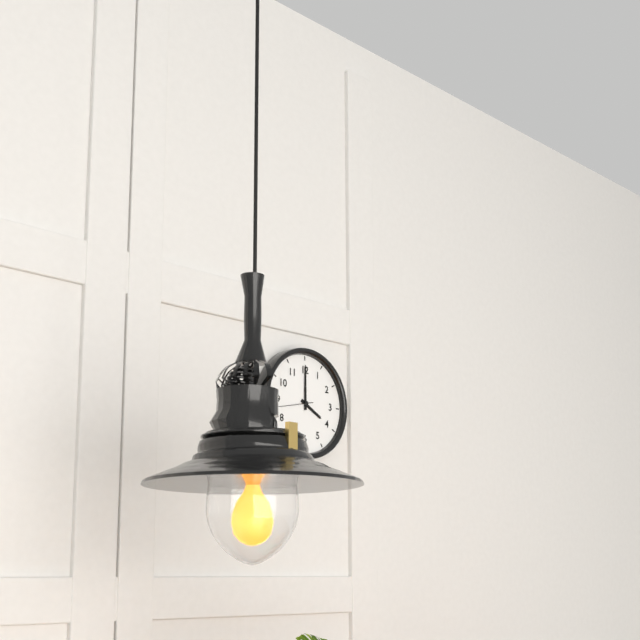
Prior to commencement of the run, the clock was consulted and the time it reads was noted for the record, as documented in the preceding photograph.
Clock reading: 4:00
